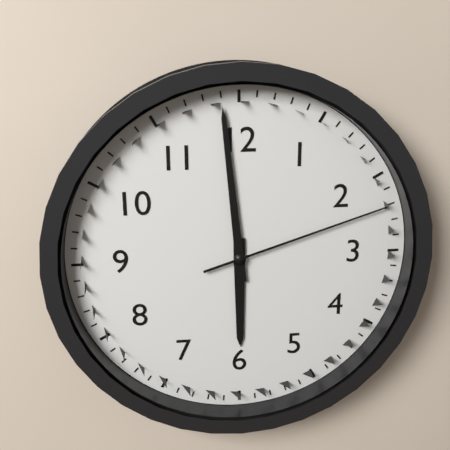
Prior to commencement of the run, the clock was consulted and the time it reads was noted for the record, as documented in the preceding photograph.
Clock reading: 5:59:12
